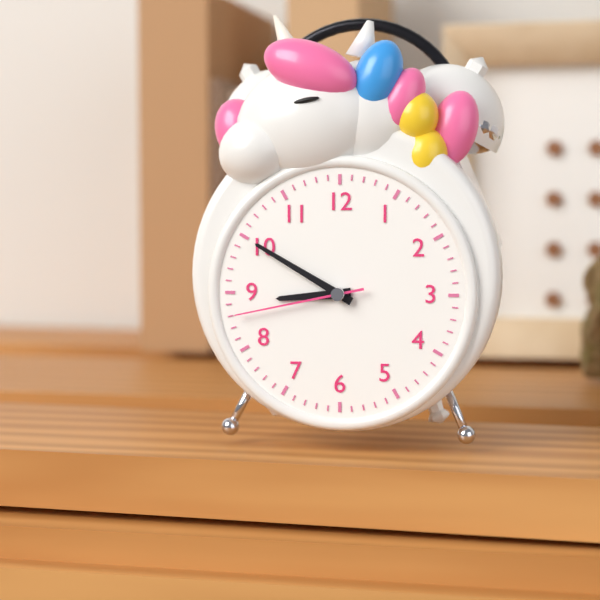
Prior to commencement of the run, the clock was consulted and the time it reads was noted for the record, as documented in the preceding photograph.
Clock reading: 8:50:43
